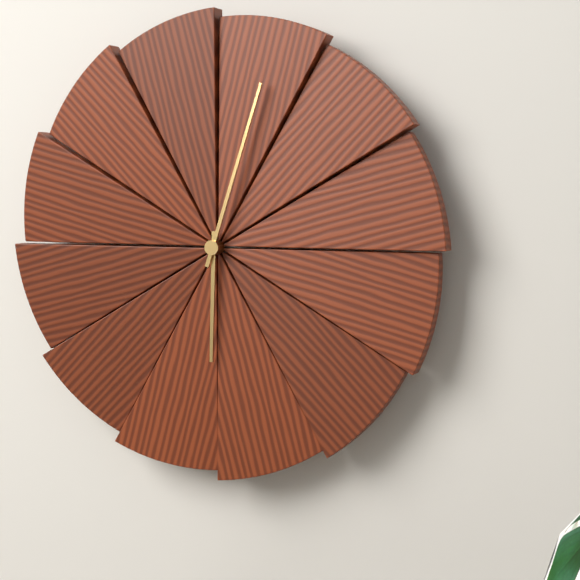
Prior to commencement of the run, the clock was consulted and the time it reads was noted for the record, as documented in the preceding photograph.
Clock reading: 6:03
